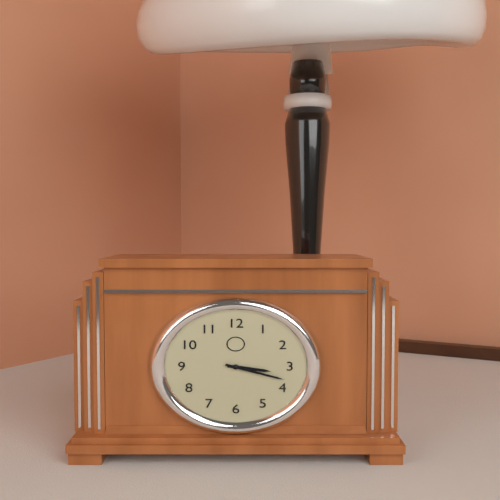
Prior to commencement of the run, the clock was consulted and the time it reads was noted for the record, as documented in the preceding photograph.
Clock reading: 3:18
